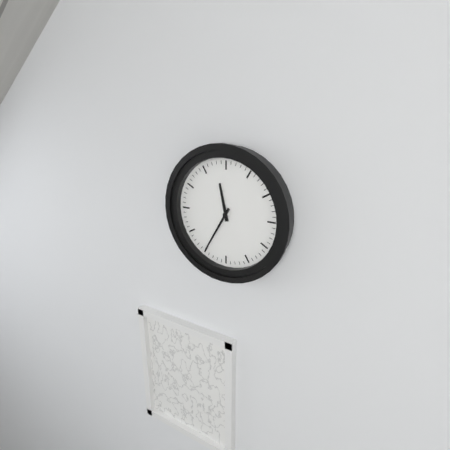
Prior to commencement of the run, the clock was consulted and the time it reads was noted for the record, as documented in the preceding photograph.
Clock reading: 11:35
